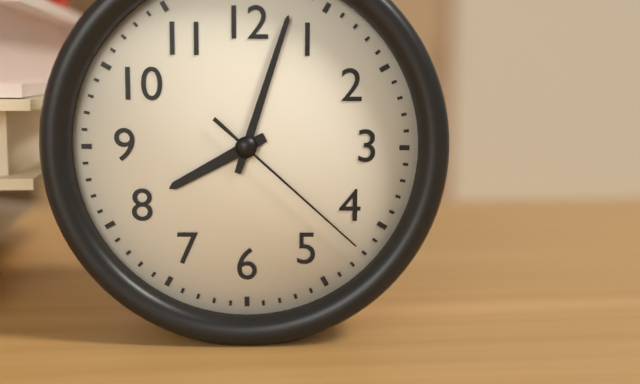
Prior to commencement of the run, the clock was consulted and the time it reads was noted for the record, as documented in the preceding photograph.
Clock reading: 8:03:22
